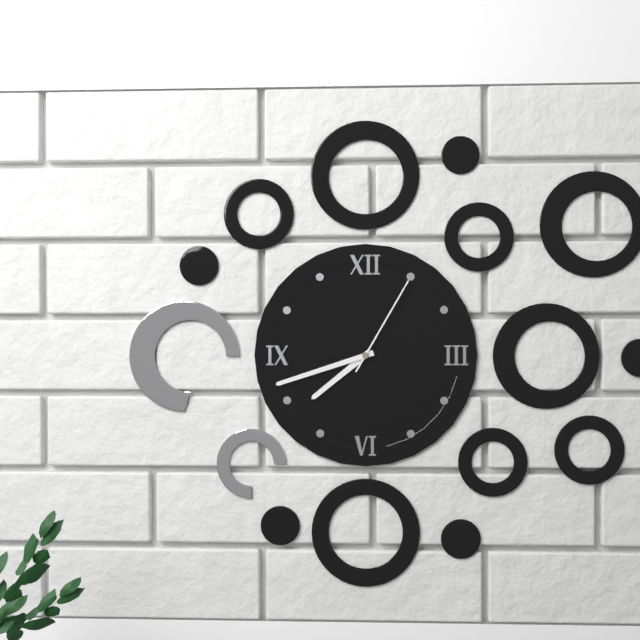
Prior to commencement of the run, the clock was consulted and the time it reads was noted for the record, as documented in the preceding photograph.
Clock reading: 7:42:05
